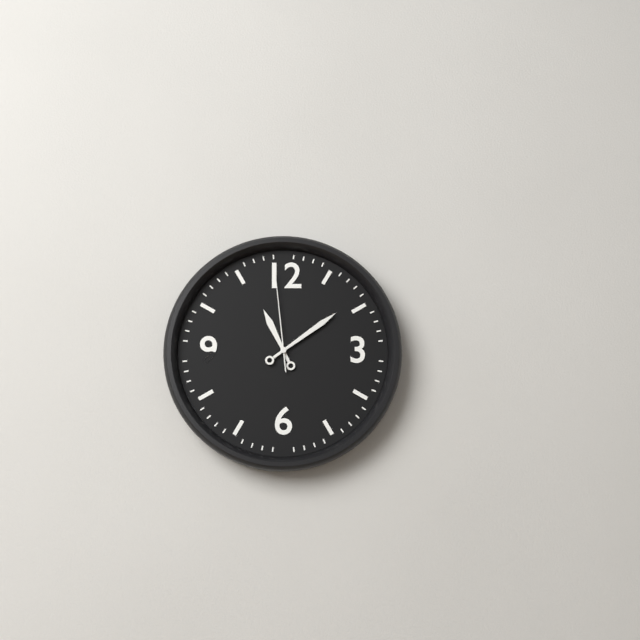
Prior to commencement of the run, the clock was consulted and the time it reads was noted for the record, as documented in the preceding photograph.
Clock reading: 11:09:59
